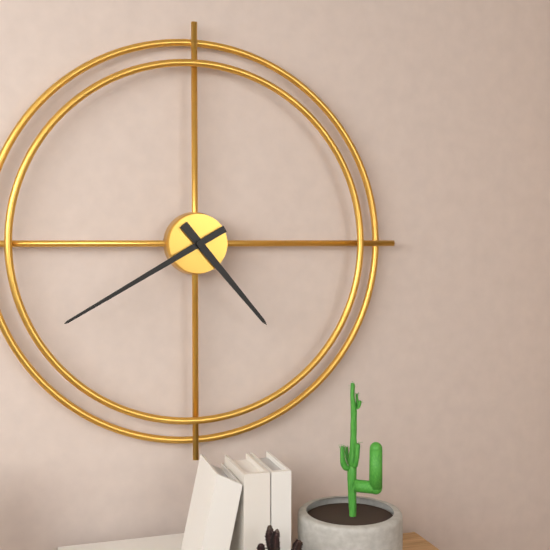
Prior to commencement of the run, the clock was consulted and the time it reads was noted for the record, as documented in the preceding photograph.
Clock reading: 4:40
